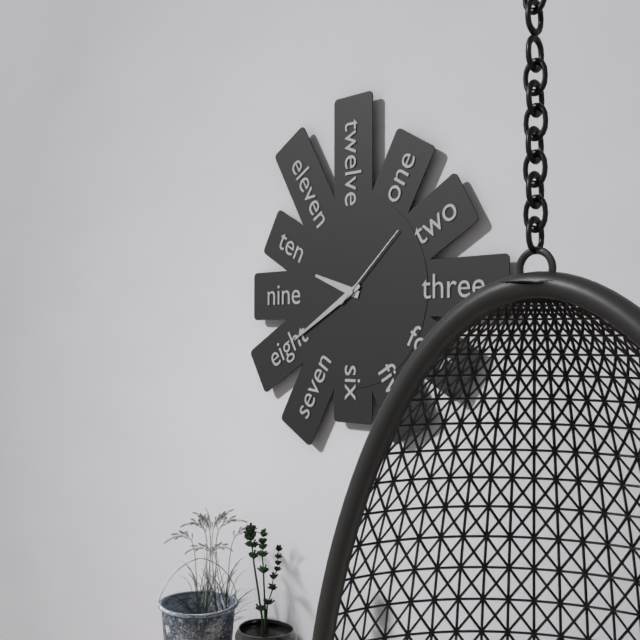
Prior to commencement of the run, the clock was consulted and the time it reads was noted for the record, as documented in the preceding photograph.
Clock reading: 9:40:08
